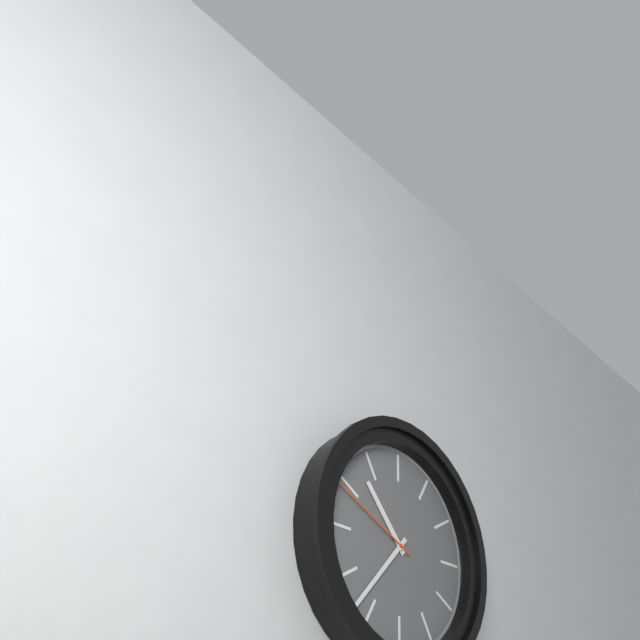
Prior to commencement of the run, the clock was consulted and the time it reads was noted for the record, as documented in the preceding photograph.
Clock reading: 10:37:49
